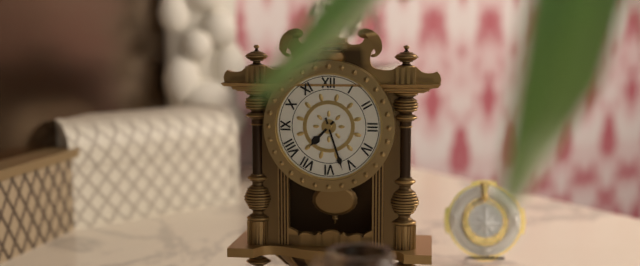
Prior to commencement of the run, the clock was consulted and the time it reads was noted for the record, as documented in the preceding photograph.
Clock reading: 7:27
